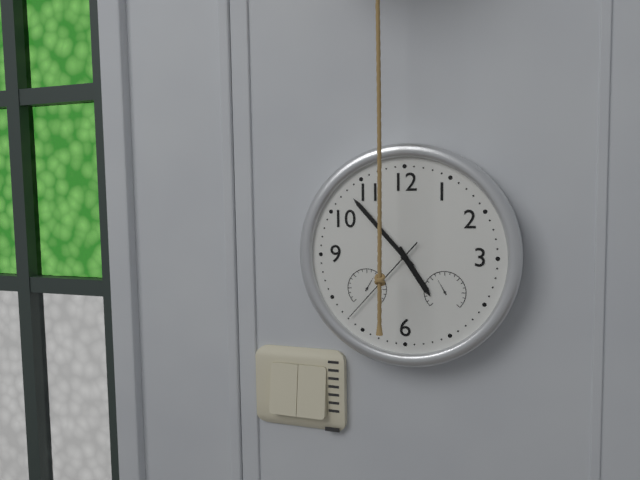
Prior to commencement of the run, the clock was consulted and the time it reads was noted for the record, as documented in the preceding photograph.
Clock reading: 4:53:37
